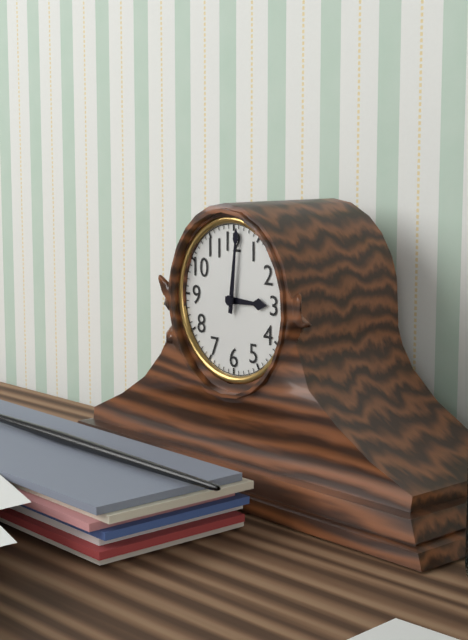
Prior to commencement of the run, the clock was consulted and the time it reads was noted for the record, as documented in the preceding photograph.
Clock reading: 3:01
